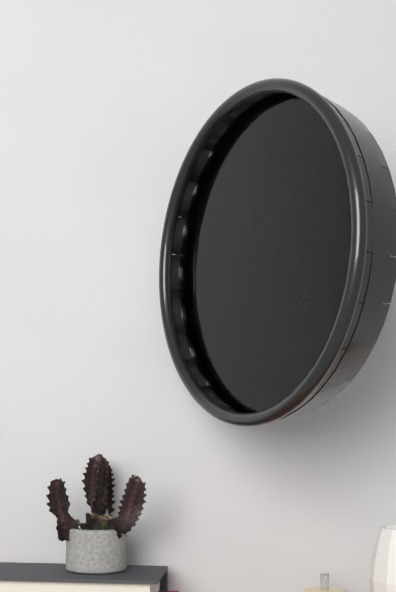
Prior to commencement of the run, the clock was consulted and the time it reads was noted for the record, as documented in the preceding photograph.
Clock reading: 1:17
